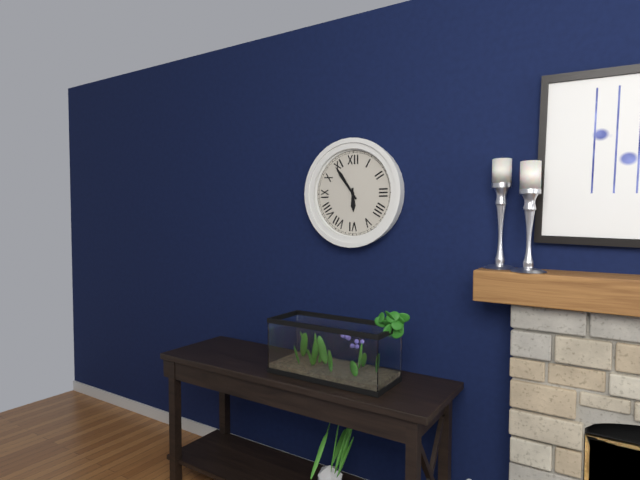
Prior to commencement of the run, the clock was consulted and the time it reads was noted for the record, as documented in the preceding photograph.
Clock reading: 5:54
